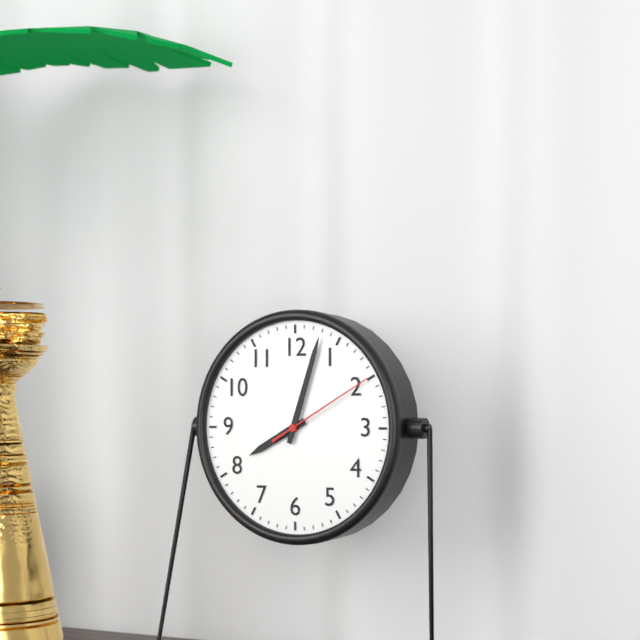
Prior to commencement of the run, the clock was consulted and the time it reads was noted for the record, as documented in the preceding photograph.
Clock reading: 8:03:10
